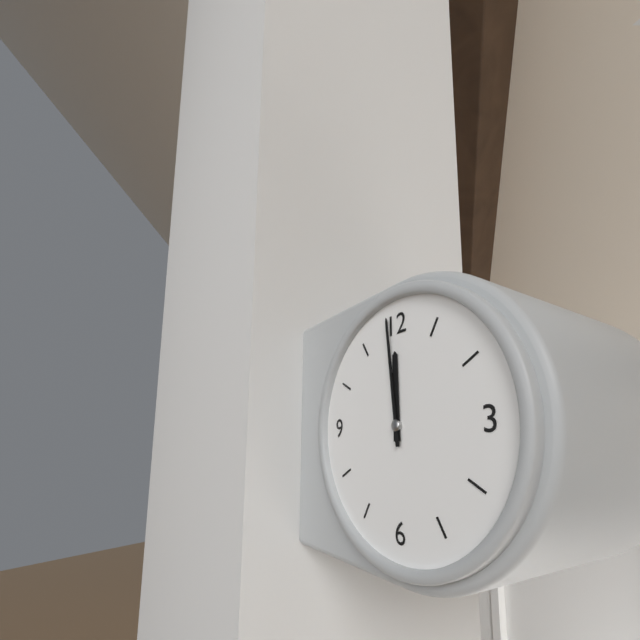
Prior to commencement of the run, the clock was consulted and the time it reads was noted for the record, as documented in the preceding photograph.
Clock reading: 11:59
